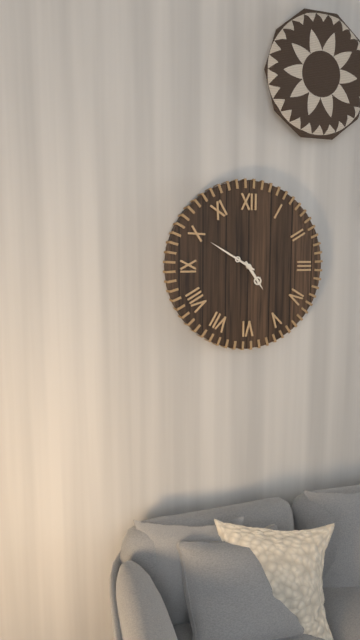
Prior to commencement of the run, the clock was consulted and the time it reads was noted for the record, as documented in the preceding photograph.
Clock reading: 4:50
